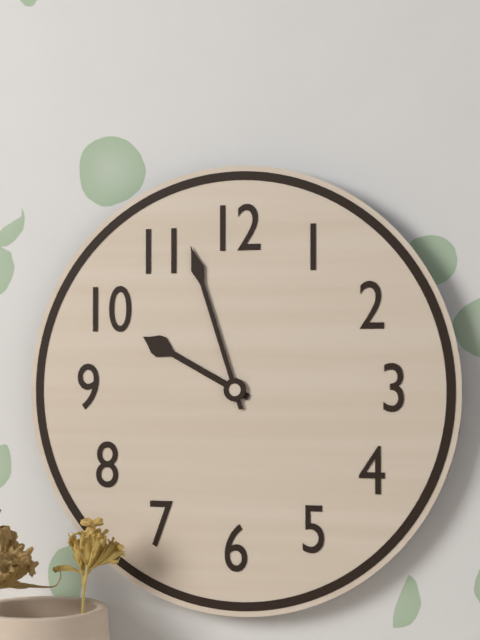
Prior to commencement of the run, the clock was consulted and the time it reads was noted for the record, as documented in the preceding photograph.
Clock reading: 9:57
